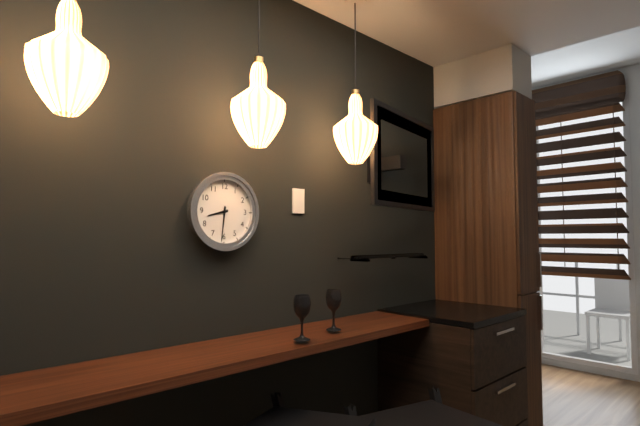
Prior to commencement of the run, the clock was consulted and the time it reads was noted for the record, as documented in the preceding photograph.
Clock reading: 8:31
